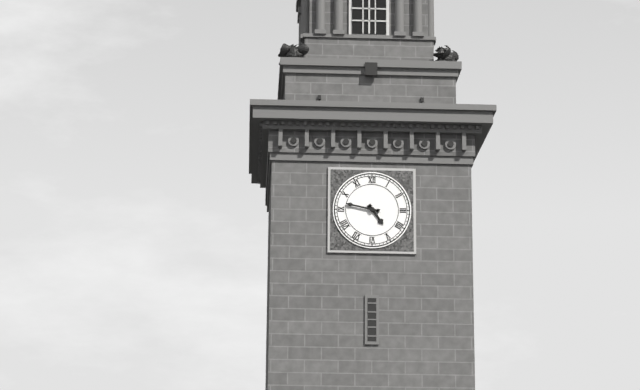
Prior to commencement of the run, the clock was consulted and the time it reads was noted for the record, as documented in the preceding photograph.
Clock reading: 4:47
